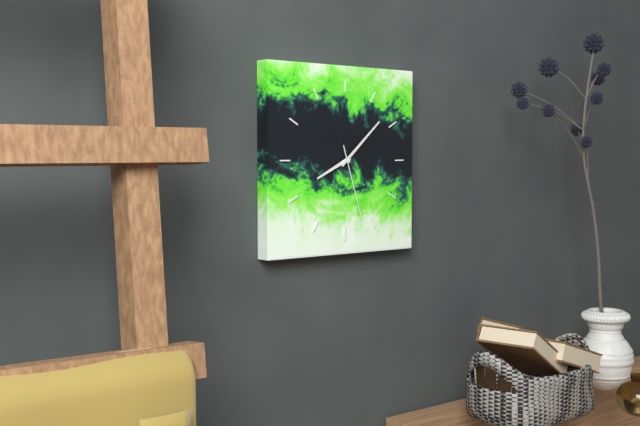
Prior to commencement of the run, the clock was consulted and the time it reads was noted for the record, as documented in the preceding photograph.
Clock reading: 8:08:27
